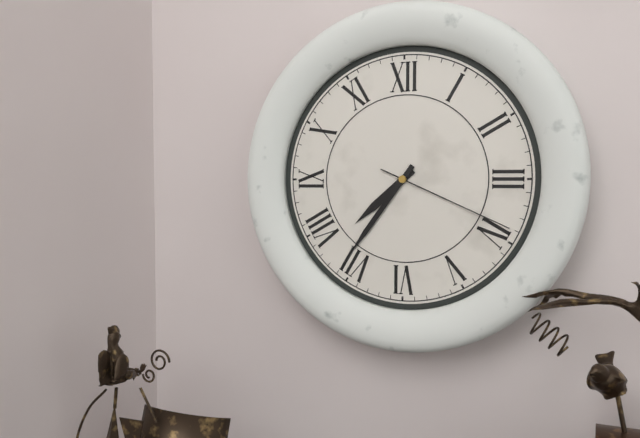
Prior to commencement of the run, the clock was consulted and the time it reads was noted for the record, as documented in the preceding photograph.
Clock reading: 7:36:19
